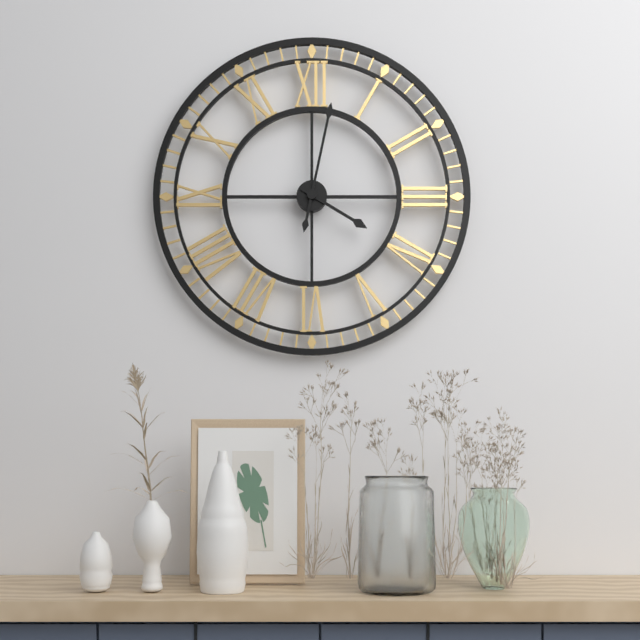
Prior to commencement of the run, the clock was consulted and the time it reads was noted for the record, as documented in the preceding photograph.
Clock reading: 4:02
